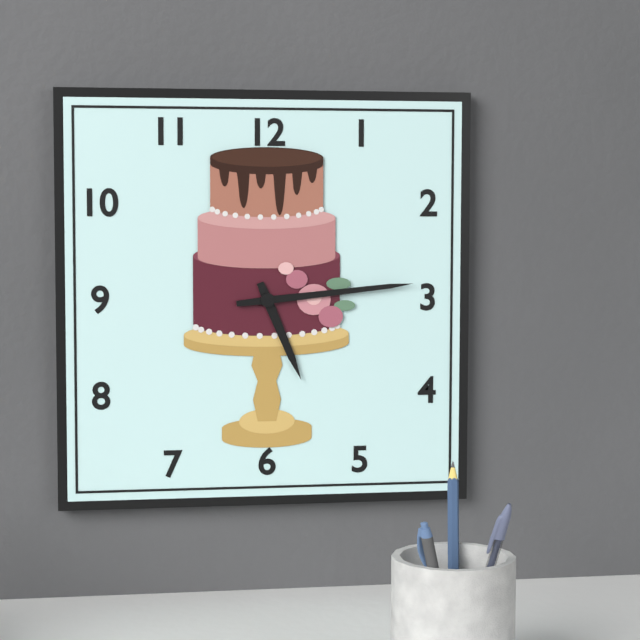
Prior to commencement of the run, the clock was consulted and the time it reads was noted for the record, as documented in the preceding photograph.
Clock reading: 5:14
